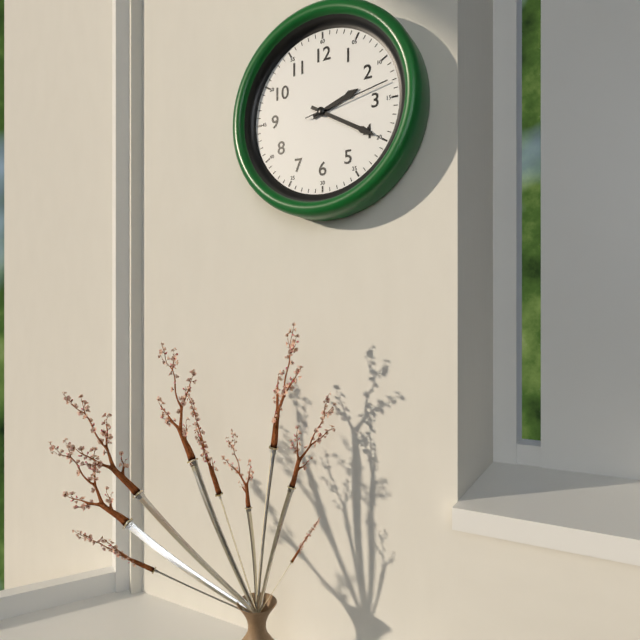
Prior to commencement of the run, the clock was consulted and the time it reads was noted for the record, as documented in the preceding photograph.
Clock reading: 2:20:13
